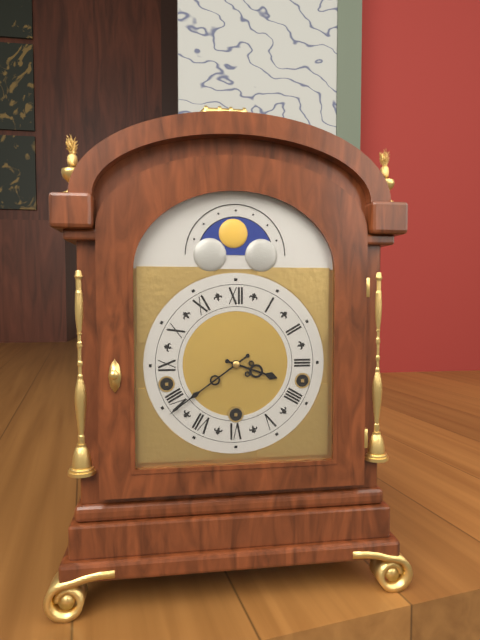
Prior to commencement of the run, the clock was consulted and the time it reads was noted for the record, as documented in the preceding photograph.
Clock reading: 3:39
